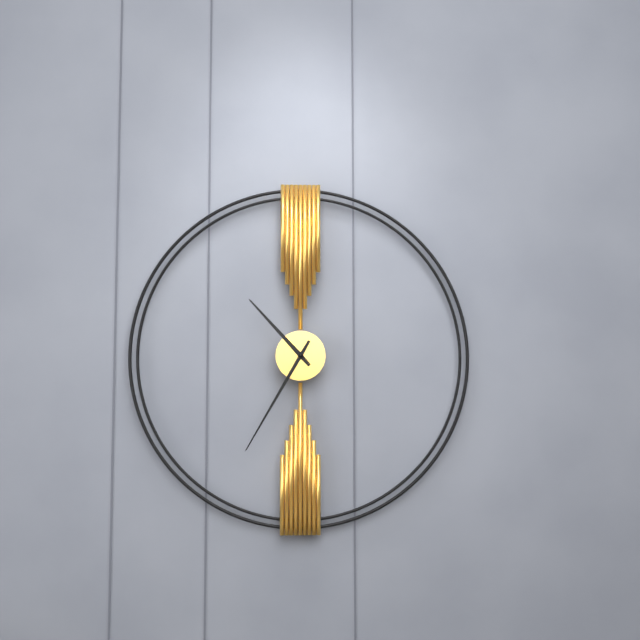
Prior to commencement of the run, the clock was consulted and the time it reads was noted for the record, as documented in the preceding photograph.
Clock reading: 10:35
